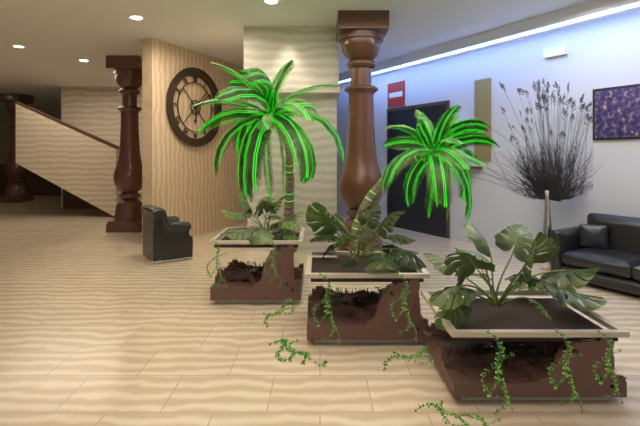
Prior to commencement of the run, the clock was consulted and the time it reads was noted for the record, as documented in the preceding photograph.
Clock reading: 6:09
